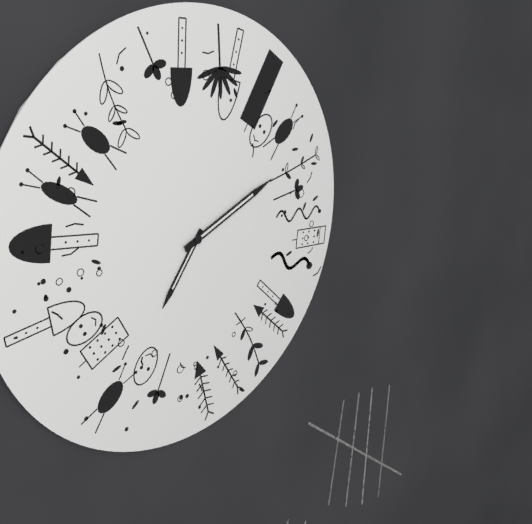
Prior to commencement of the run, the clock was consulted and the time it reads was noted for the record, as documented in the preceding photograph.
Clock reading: 7:11
